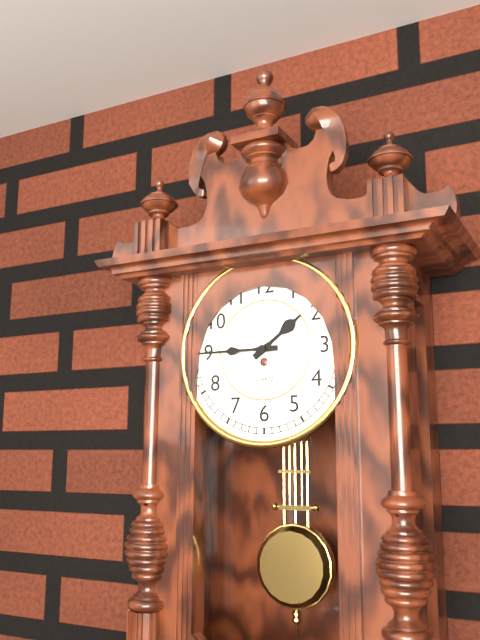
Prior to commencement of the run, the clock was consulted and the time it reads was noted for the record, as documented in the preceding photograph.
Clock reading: 1:45
